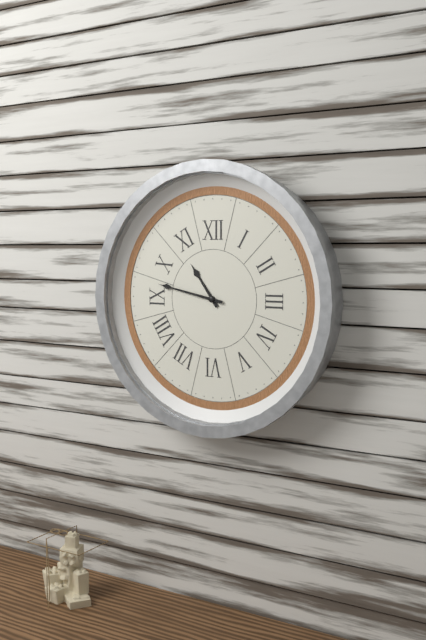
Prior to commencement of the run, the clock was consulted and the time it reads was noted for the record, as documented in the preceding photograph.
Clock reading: 10:47
